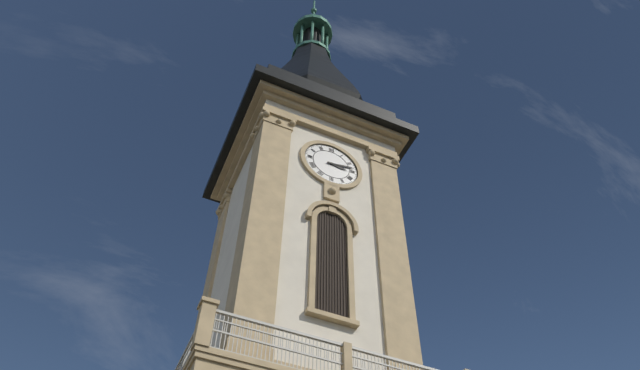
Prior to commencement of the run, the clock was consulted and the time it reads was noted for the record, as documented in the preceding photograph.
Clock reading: 3:13
